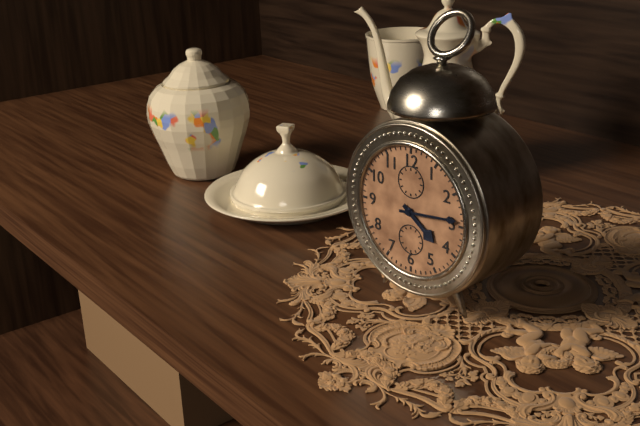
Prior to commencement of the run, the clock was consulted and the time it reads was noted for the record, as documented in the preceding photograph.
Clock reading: 4:14
